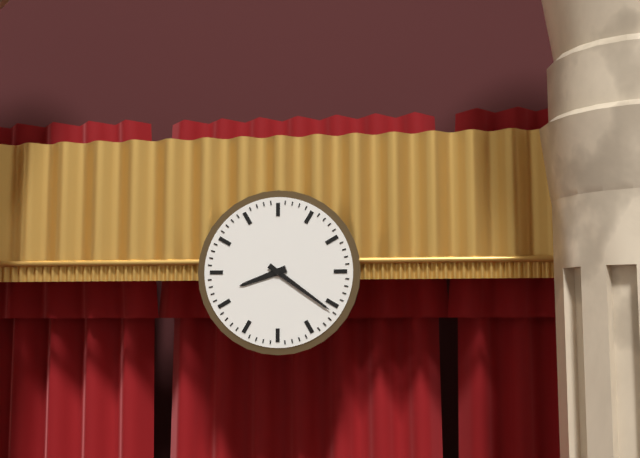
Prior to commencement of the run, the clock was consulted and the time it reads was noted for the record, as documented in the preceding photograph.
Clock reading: 8:21
